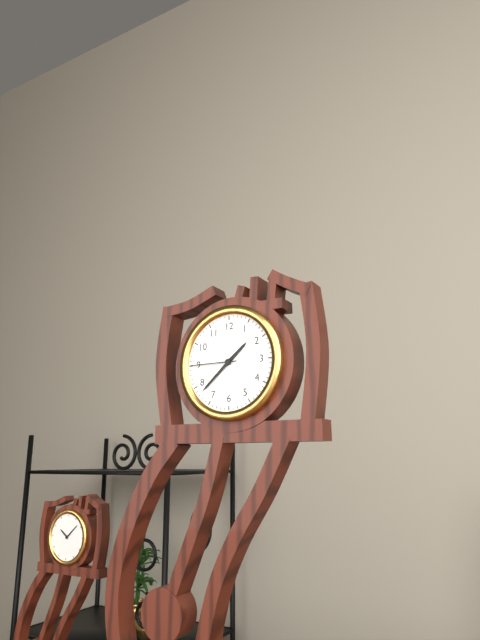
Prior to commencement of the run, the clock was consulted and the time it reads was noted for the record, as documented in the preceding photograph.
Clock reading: 1:38
